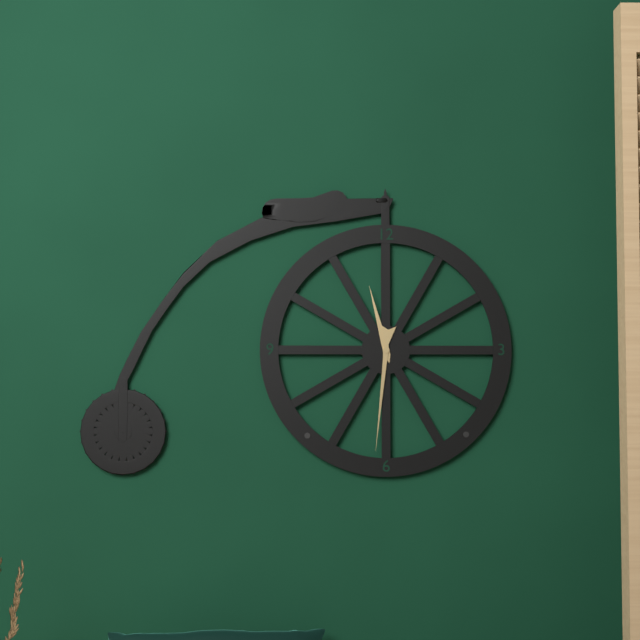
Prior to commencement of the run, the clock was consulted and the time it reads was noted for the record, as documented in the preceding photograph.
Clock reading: 11:31
